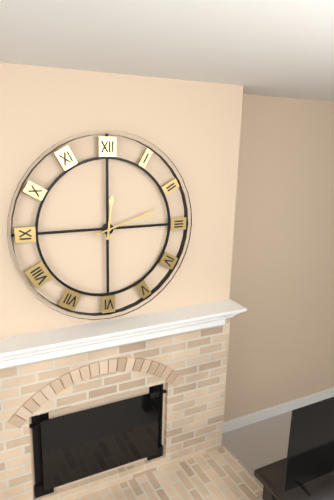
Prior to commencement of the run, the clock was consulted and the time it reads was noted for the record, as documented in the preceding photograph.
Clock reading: 12:12
